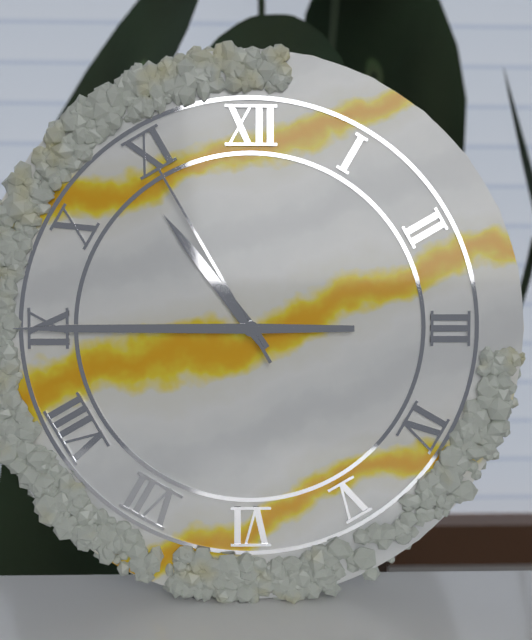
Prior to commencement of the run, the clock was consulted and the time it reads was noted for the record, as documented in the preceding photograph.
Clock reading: 10:45:55
